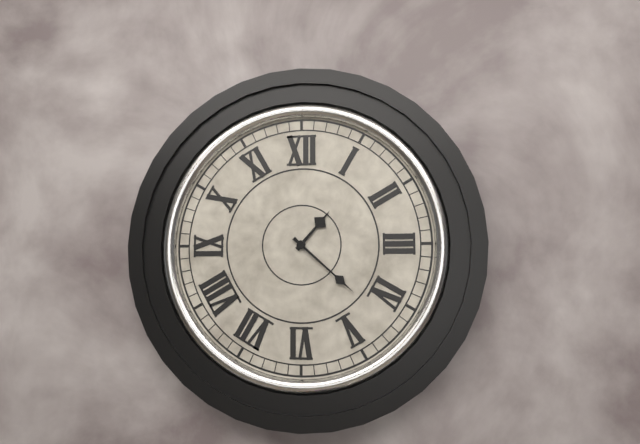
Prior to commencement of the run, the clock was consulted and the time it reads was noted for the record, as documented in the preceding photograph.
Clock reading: 1:22
